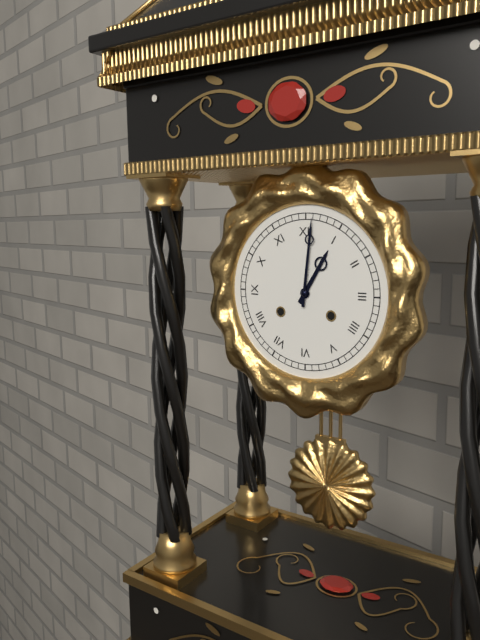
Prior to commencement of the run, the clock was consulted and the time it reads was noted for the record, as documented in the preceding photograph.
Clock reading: 1:01
